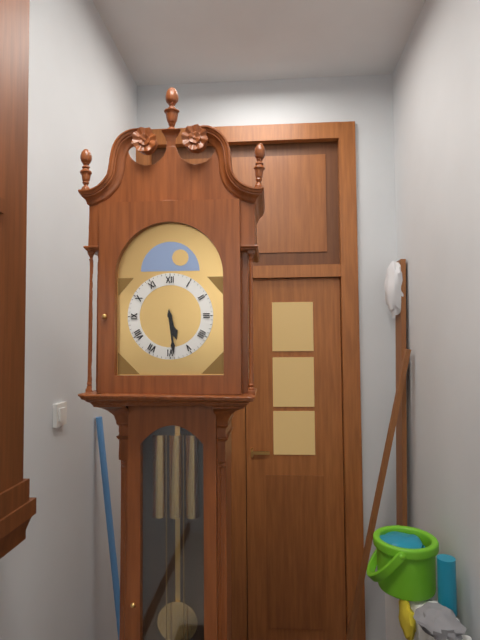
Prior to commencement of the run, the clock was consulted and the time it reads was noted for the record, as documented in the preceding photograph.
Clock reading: 5:29
